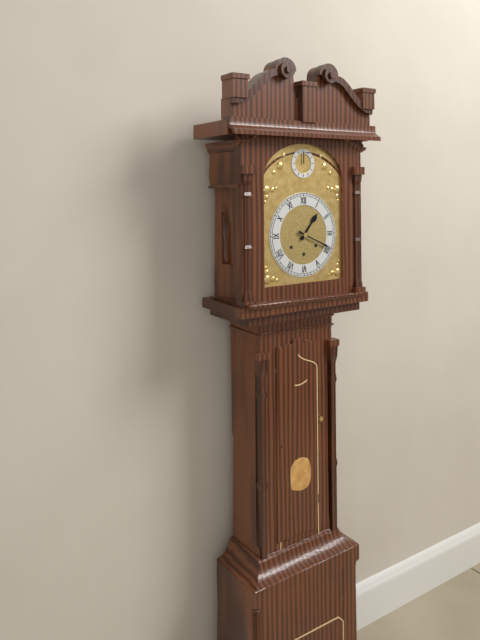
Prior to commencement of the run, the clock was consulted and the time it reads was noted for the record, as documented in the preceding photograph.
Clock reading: 1:19
